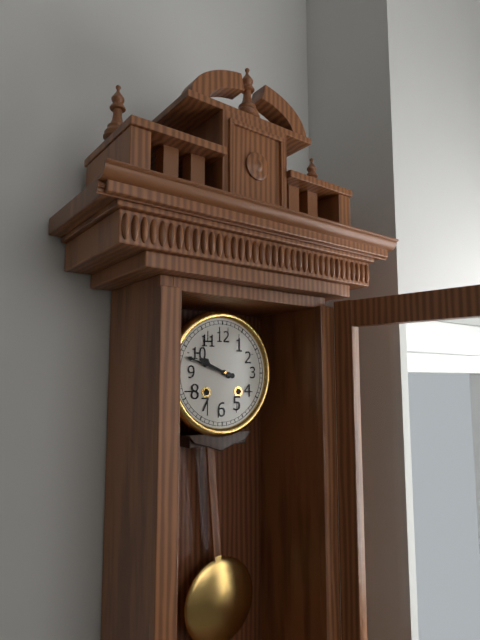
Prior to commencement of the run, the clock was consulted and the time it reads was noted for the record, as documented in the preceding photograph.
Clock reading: 9:48
